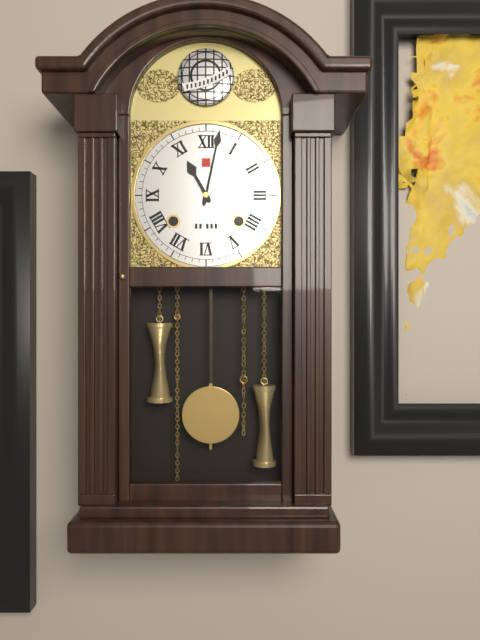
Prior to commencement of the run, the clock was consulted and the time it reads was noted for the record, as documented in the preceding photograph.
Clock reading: 11:02
